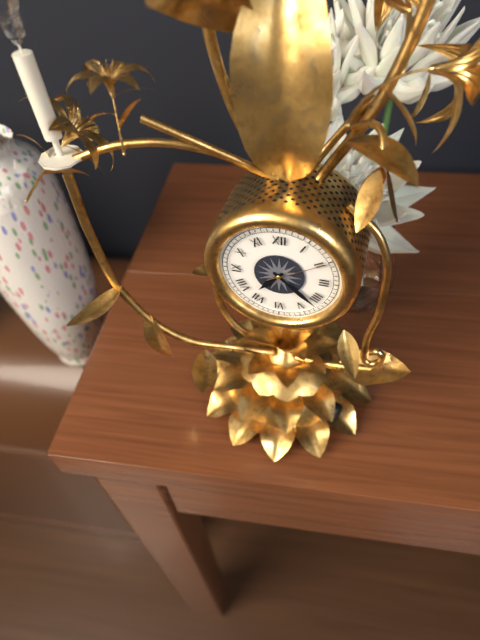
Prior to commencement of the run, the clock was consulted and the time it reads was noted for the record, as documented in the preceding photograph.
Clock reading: 7:22:10
